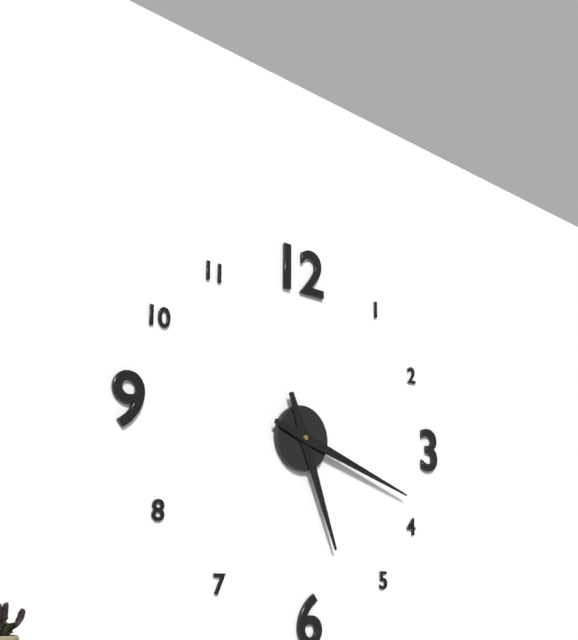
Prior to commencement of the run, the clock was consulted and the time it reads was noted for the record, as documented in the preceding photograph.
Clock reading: 5:18
